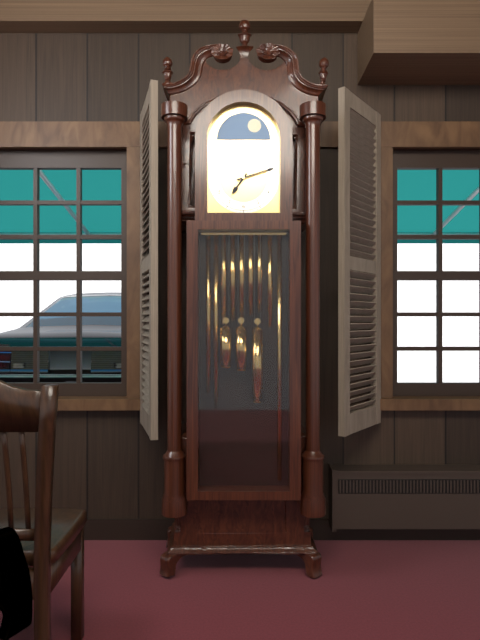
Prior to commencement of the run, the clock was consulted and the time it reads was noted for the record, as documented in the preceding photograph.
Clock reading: 7:12
